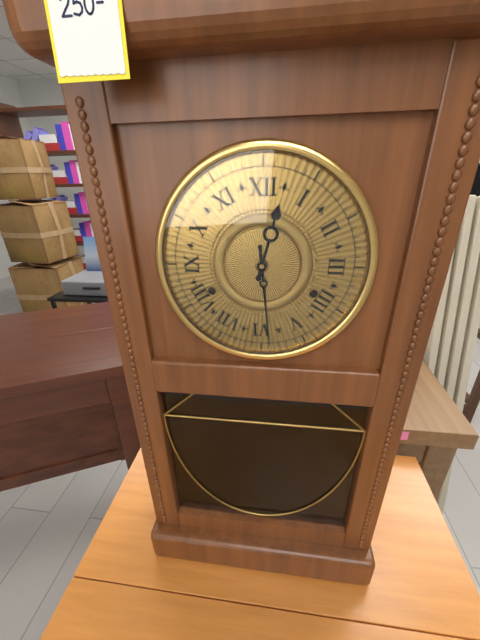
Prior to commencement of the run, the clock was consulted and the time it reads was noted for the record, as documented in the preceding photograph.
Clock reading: 12:29
